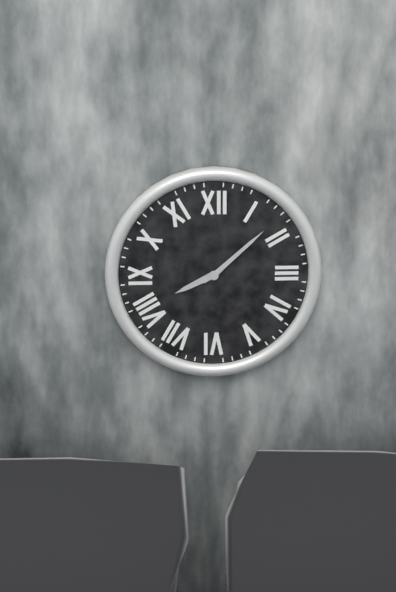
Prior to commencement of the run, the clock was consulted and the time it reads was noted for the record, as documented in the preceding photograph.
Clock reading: 8:08
